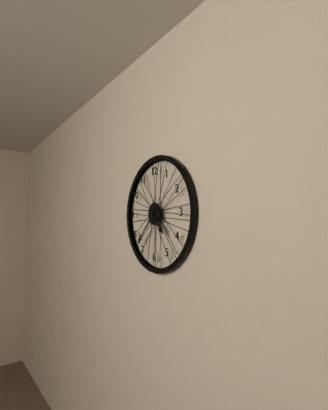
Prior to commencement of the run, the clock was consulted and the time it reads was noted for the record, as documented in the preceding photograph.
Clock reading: 4:37
